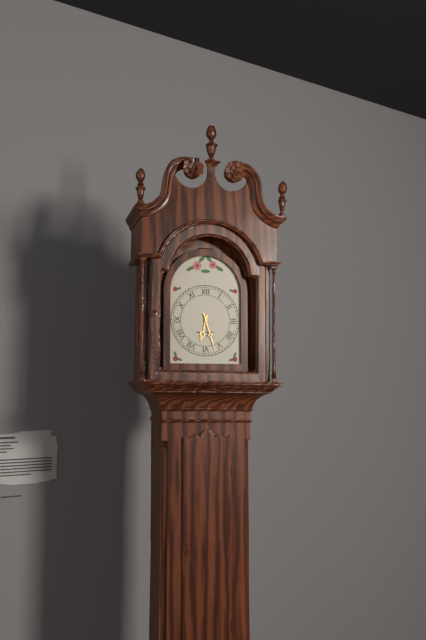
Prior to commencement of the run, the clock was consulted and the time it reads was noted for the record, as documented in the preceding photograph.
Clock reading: 6:27
